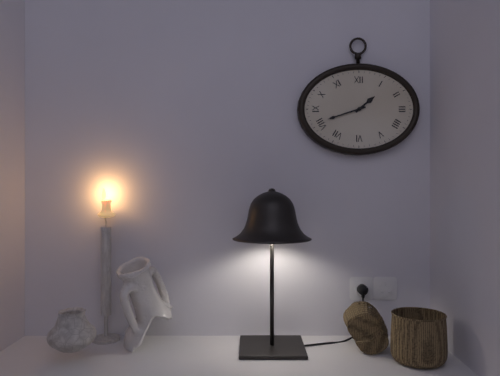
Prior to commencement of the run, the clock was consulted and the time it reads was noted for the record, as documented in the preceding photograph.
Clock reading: 1:42
